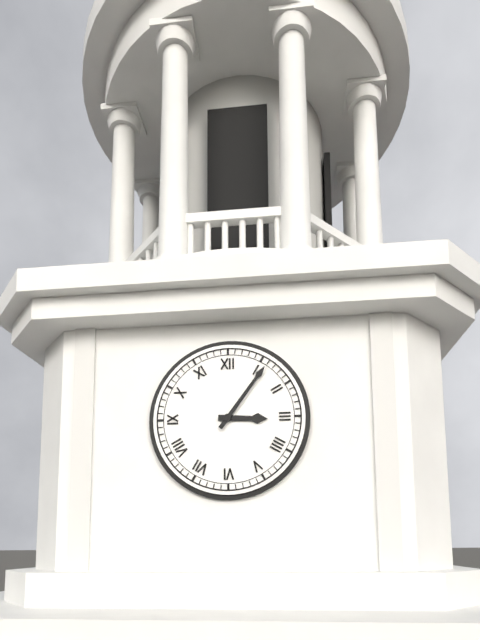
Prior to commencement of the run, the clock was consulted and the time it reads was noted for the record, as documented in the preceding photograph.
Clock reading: 3:06
